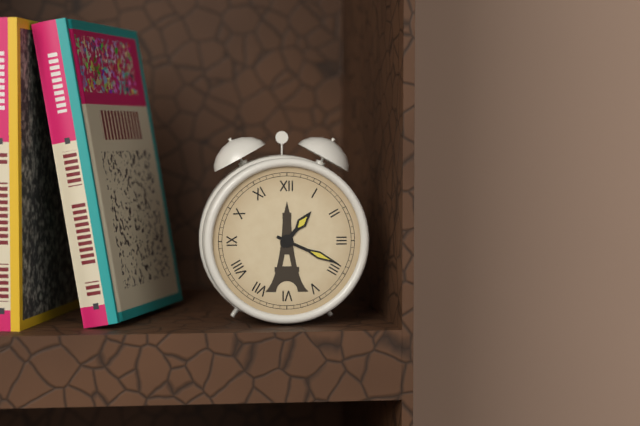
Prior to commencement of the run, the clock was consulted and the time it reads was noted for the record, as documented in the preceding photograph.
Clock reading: 1:19
